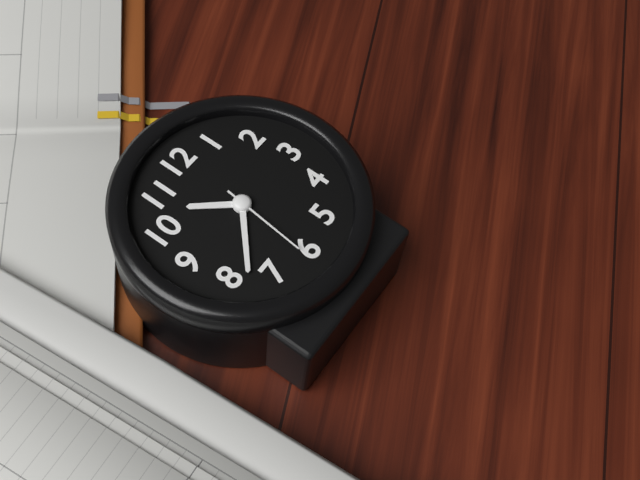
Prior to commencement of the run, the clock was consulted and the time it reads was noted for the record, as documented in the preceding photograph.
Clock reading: 10:38:31
